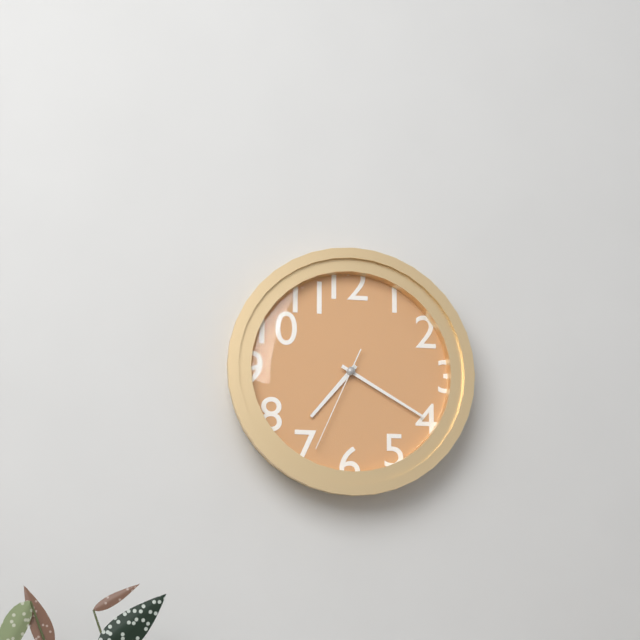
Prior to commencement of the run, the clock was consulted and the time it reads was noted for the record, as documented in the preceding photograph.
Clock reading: 7:20:34
